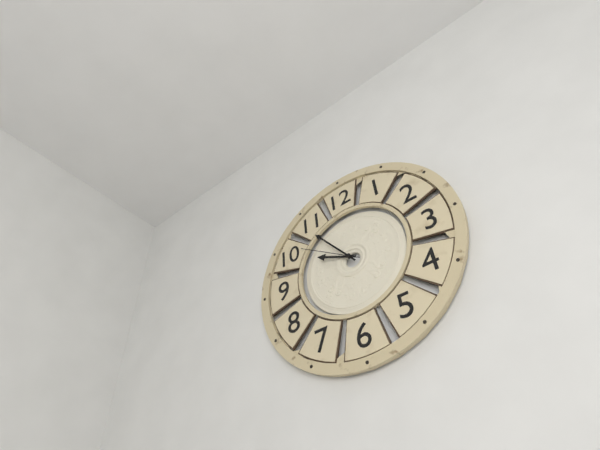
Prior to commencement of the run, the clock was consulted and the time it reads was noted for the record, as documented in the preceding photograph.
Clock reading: 9:54:51
